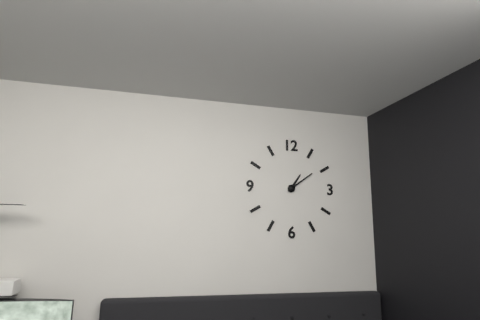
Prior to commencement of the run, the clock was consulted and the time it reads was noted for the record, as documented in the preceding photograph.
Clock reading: 1:09
